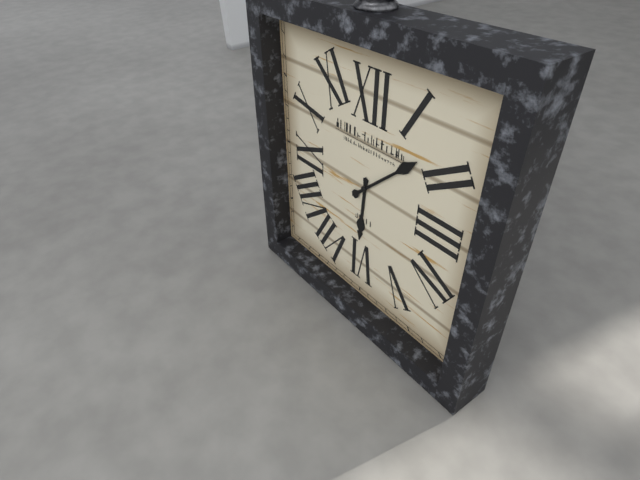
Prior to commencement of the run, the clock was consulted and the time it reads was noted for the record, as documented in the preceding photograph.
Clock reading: 6:08
